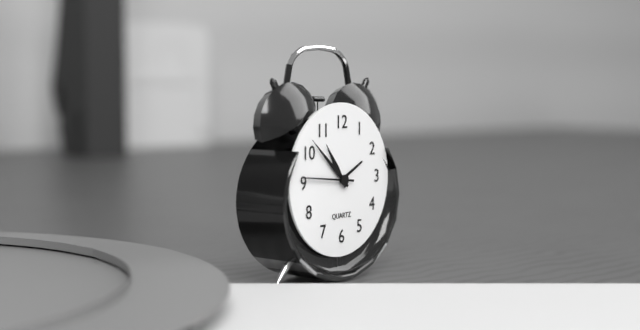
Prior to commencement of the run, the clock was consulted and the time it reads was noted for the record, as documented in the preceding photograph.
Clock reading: 10:52:46
